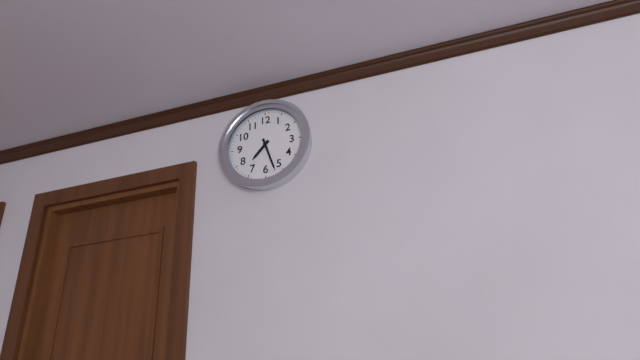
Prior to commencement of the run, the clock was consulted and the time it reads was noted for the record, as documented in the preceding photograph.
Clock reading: 7:27
